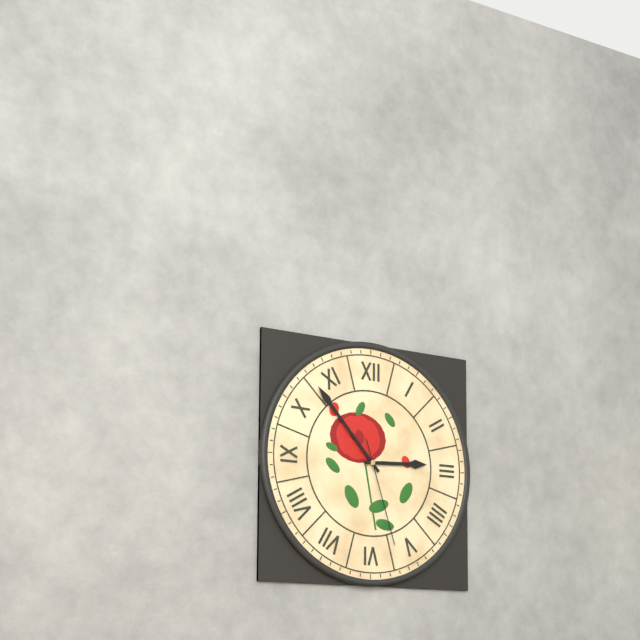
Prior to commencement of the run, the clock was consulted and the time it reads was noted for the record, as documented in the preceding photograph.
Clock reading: 2:53:27
